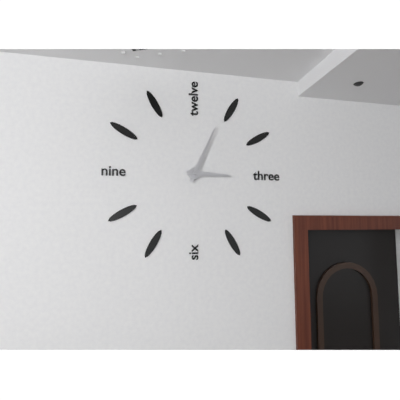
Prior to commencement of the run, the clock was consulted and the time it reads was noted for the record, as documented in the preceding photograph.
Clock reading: 3:04
